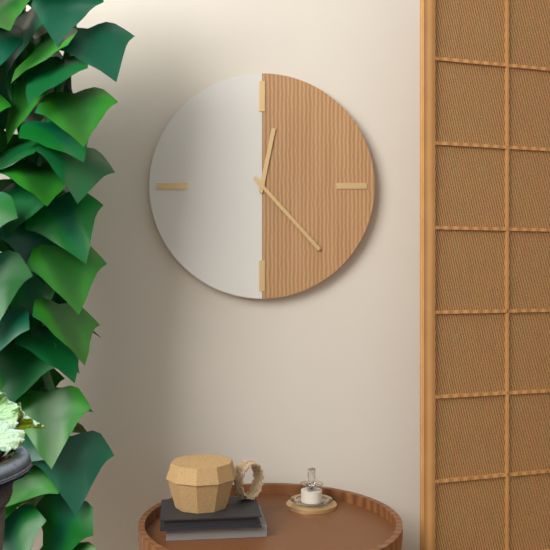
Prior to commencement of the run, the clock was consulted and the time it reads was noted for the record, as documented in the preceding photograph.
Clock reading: 12:23
